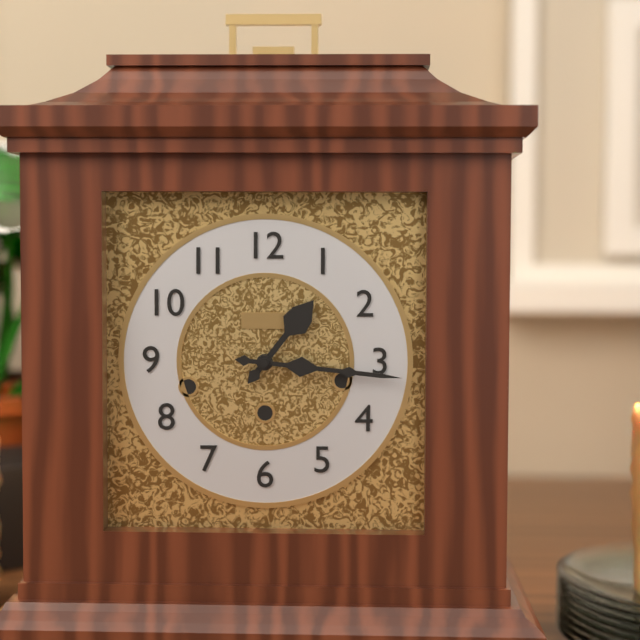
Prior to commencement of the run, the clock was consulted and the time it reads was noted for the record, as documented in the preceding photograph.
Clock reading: 1:16
